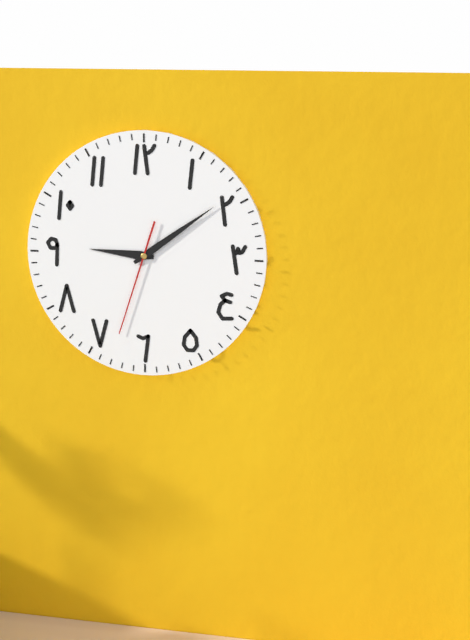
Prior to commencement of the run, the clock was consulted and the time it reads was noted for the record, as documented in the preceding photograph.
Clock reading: 9:09:33
